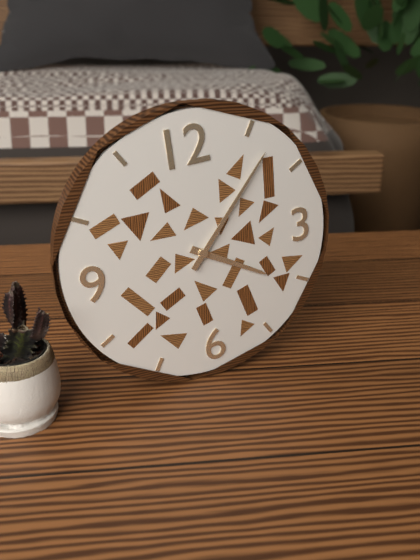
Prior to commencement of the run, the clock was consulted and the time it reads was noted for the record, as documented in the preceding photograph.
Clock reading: 4:07
